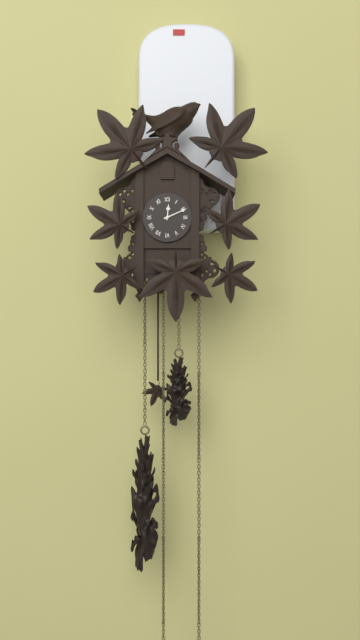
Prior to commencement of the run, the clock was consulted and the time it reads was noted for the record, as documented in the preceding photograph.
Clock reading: 12:11
